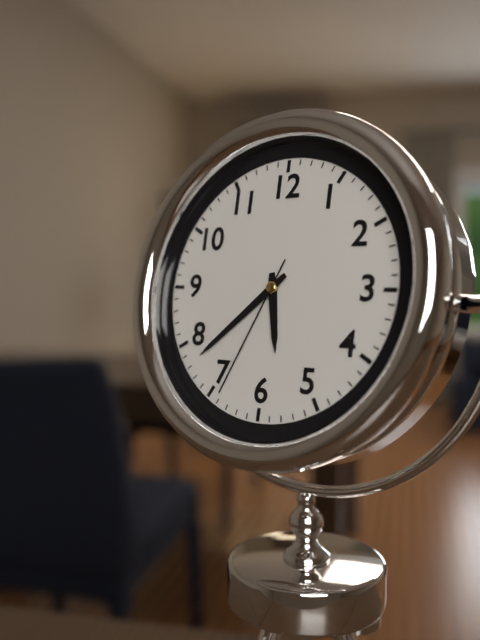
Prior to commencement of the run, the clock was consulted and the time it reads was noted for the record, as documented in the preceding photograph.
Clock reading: 5:38:34
